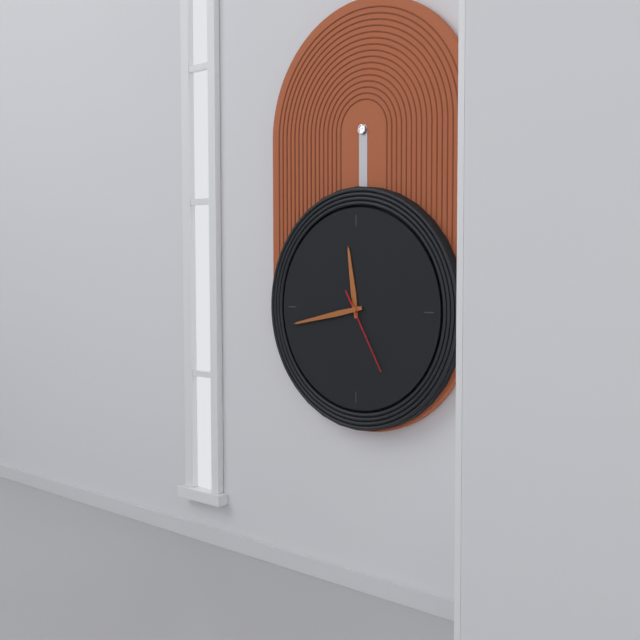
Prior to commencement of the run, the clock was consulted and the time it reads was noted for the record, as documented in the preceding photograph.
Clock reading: 11:43:25
